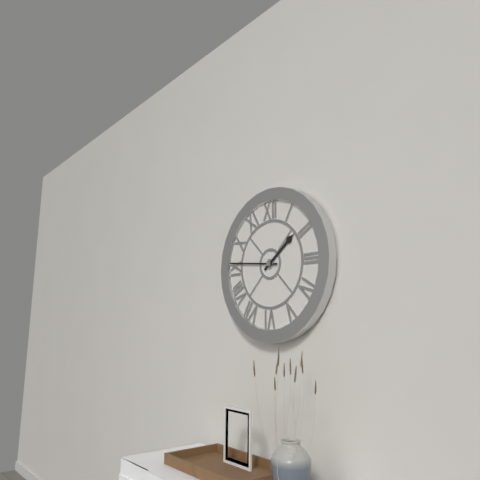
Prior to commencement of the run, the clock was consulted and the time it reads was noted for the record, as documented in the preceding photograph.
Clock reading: 1:46
